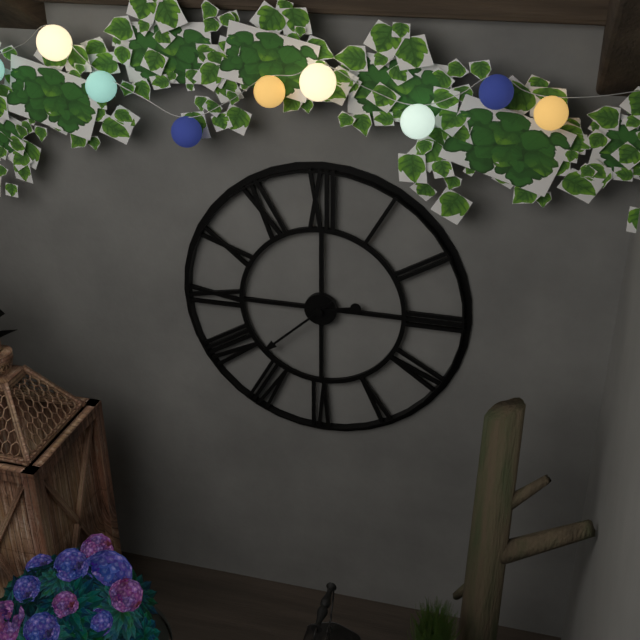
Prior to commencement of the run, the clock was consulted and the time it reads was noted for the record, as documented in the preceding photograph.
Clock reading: 2:38
